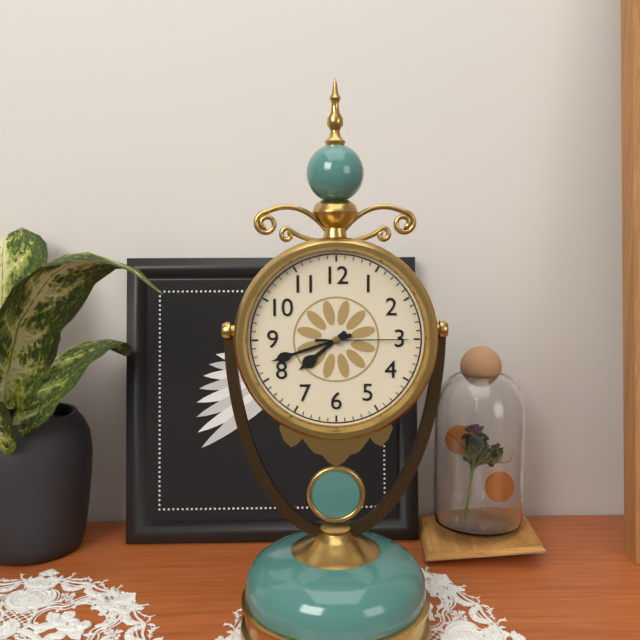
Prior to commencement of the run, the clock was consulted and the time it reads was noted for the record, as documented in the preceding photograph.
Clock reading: 7:42:15
